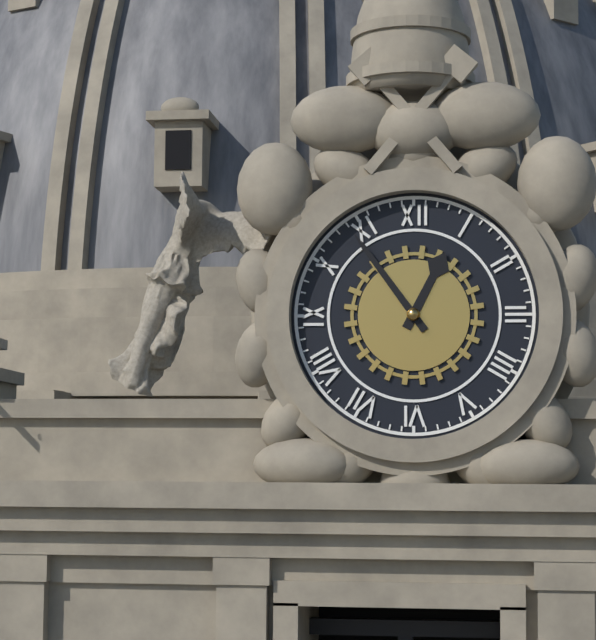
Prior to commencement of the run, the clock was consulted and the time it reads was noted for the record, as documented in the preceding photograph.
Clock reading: 12:54
